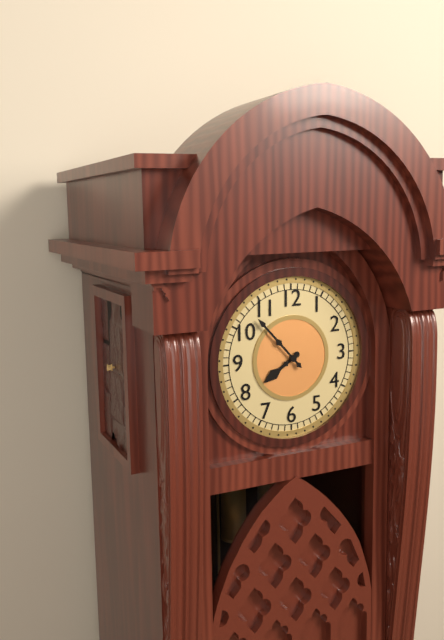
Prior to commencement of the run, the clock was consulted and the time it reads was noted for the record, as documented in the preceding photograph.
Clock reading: 7:53
